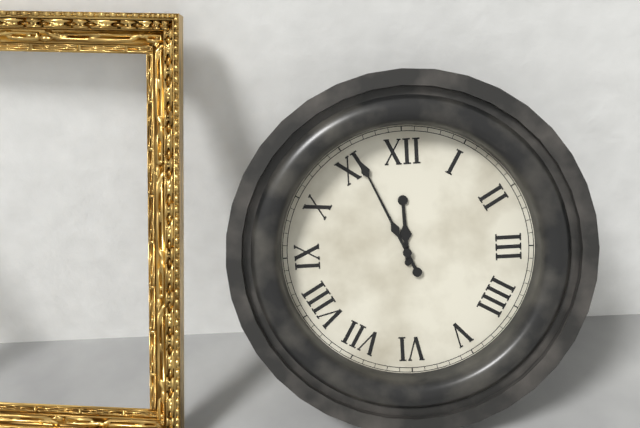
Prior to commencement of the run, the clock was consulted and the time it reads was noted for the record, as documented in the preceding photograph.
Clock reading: 11:56
